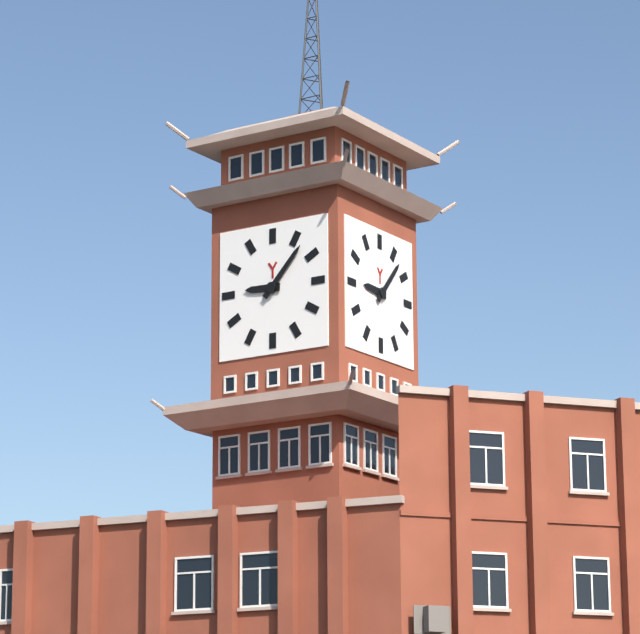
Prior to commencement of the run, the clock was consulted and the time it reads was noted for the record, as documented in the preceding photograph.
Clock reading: 9:07
